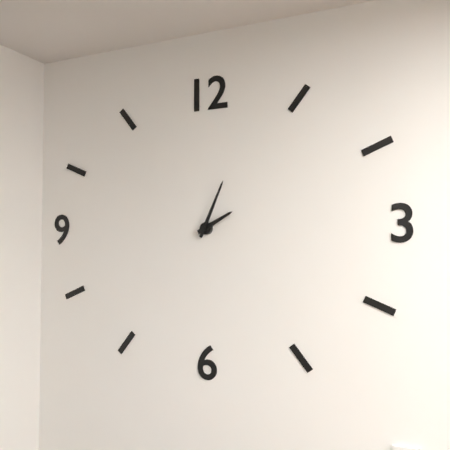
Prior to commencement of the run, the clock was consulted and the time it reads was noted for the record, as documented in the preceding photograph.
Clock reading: 2:04
